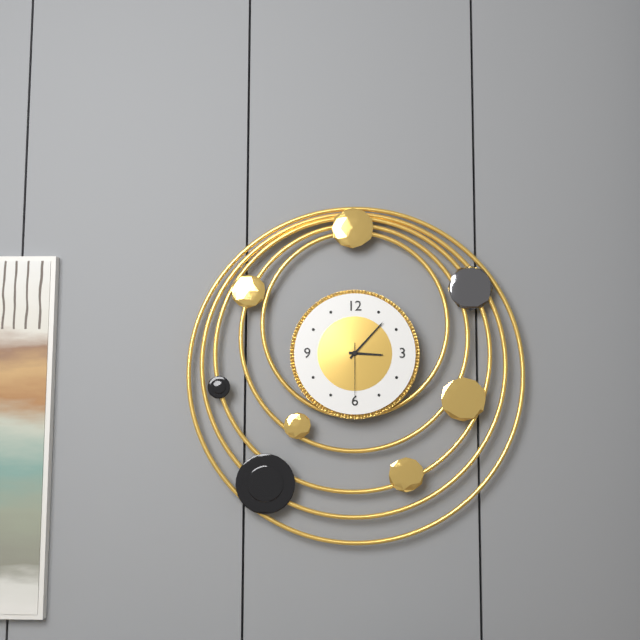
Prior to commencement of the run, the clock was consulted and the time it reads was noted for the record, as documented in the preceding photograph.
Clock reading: 3:07:30
